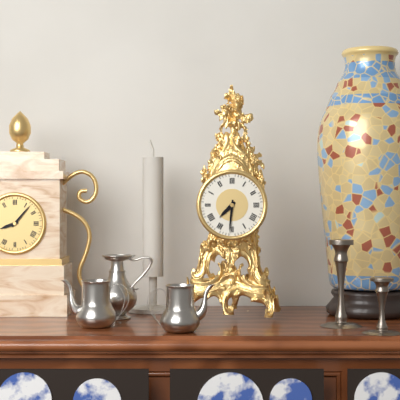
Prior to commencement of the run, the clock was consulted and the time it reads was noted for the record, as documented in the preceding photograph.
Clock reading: 7:31
